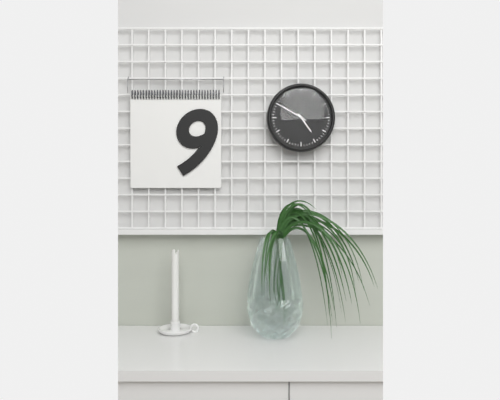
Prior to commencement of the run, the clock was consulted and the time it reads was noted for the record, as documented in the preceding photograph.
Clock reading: 4:50
